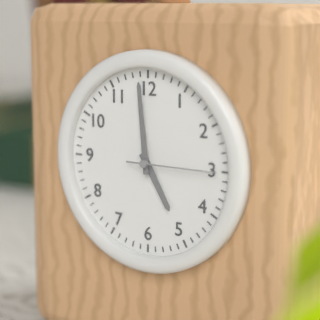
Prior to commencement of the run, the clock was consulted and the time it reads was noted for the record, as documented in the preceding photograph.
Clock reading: 4:59:15
